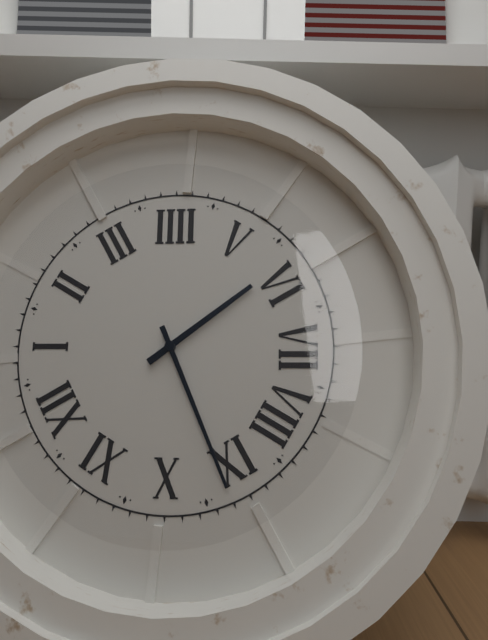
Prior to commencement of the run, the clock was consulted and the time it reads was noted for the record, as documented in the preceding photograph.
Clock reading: 5:46
